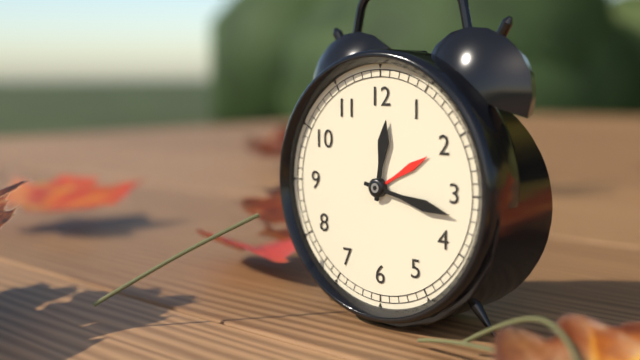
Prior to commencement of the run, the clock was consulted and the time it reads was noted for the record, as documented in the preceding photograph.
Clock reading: 12:17
